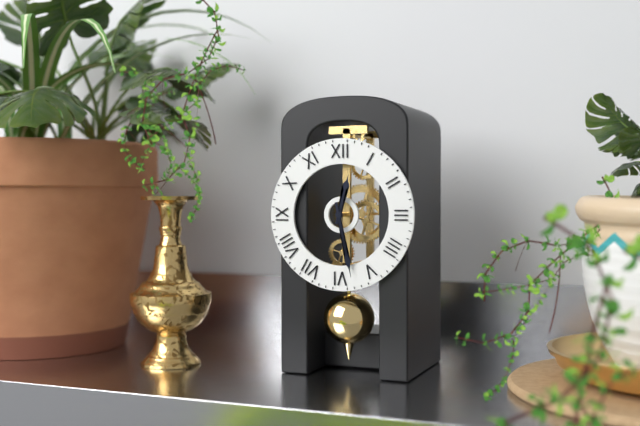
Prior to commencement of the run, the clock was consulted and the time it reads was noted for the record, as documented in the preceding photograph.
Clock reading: 12:28
